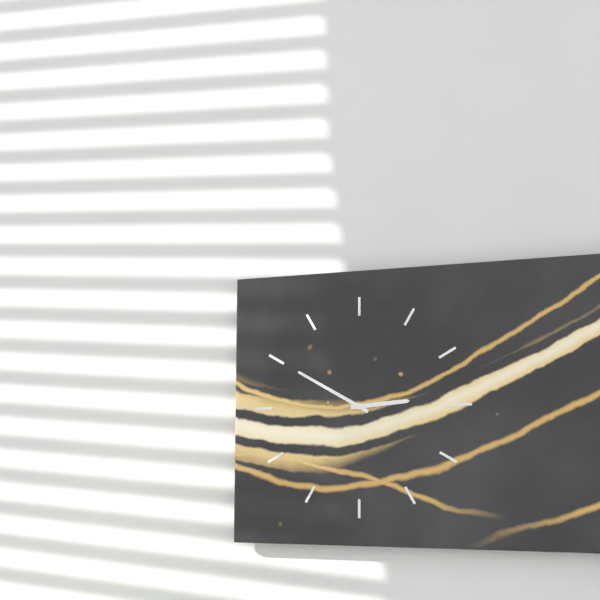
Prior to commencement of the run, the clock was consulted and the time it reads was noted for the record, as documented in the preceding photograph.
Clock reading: 2:50
